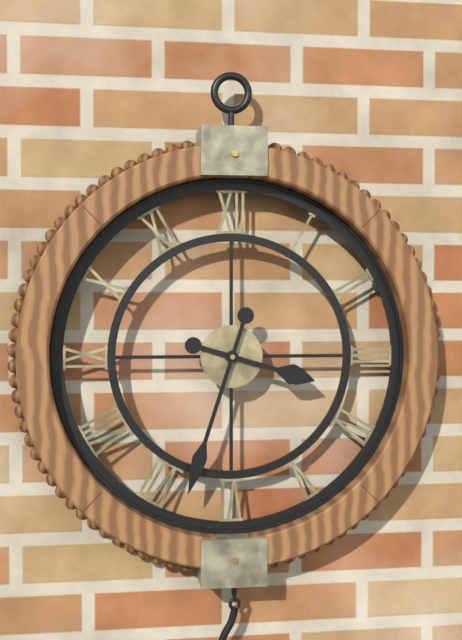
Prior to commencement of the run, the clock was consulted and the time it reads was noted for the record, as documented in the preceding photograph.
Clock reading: 3:33
